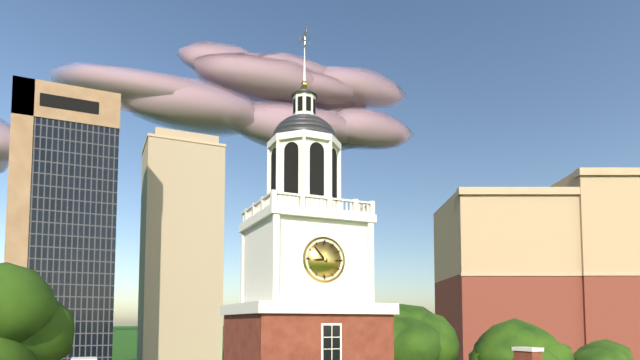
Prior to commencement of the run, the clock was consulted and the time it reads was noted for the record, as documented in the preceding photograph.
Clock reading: 8:53
